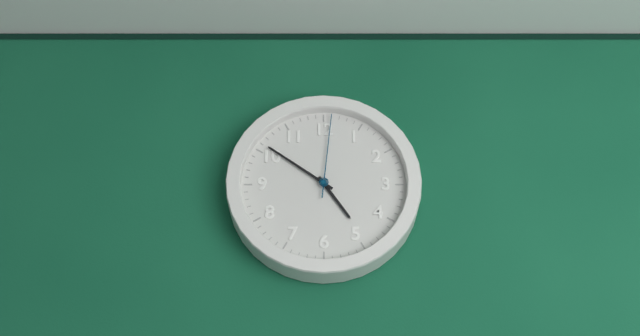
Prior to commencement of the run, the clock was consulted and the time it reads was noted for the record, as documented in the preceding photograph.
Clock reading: 4:51:01
